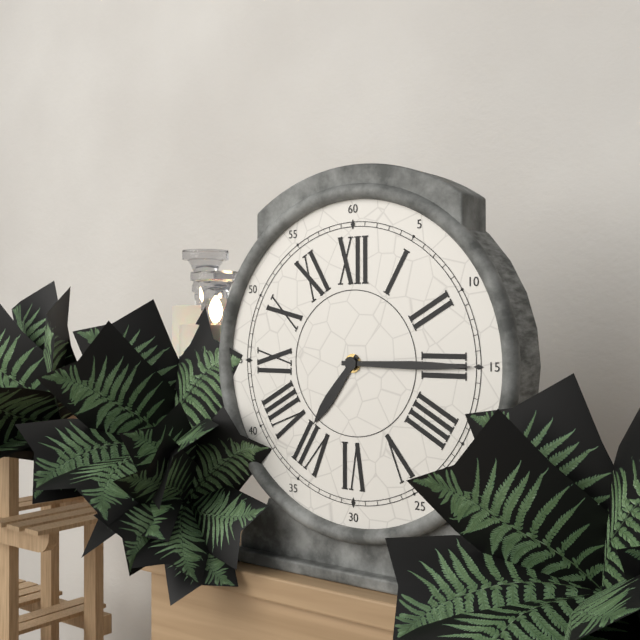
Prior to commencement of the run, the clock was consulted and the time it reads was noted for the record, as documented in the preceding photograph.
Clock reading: 7:15
